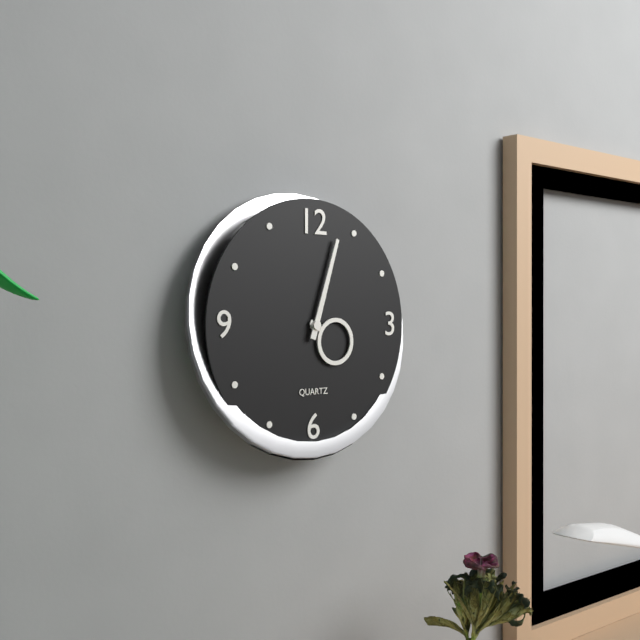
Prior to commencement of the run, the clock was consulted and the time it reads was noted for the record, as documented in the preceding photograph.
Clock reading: 4:03
